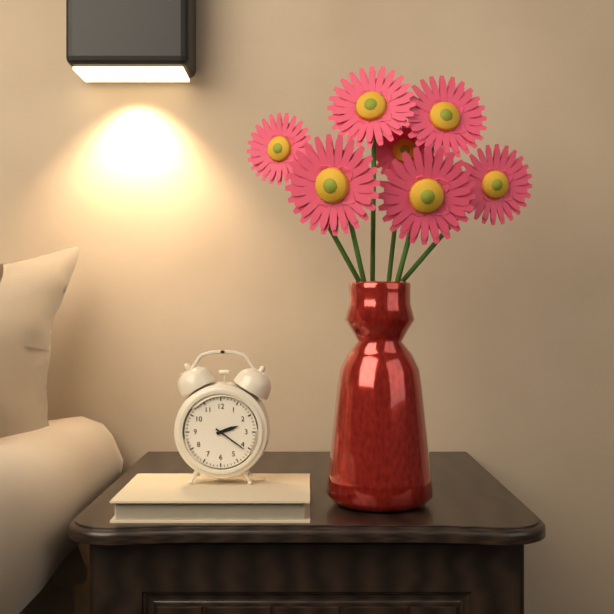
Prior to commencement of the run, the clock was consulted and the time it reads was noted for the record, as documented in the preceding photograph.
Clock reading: 2:21
